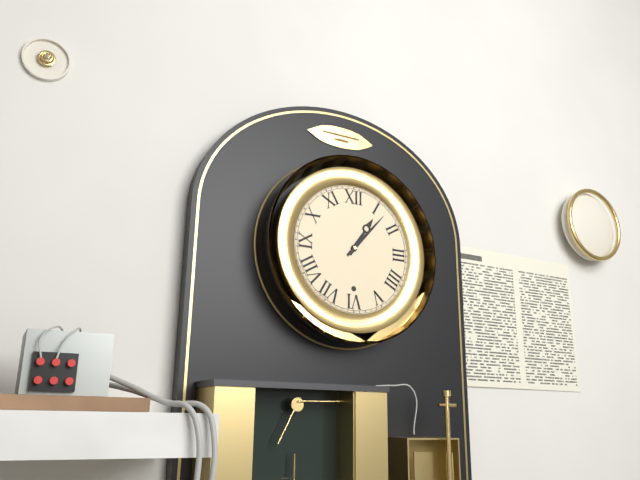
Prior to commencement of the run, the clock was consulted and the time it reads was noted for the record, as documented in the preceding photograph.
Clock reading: 1:07
